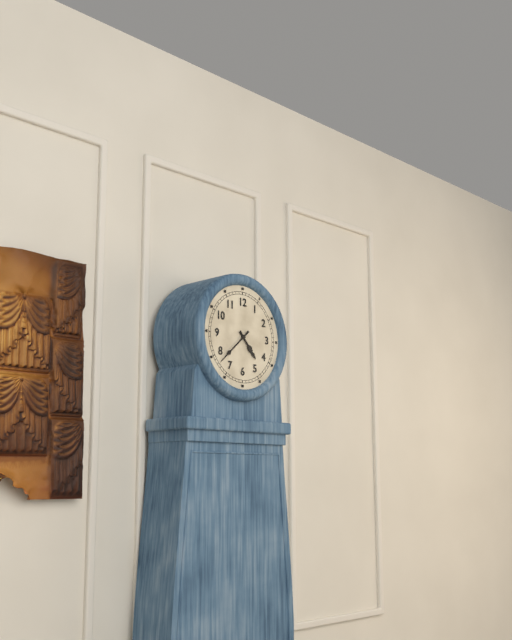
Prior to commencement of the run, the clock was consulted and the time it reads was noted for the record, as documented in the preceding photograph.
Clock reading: 4:38
